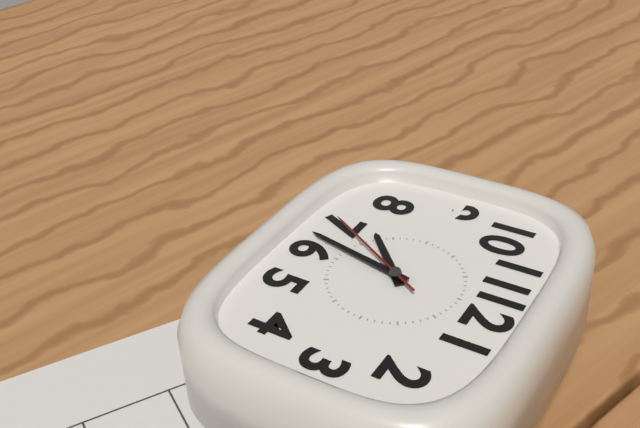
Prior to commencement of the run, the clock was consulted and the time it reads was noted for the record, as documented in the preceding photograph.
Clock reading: 7:32:35
